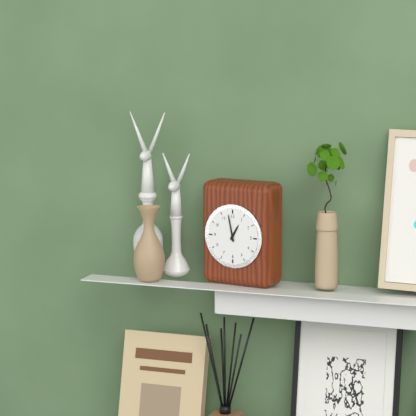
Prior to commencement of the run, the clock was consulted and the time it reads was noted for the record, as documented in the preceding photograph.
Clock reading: 12:58
